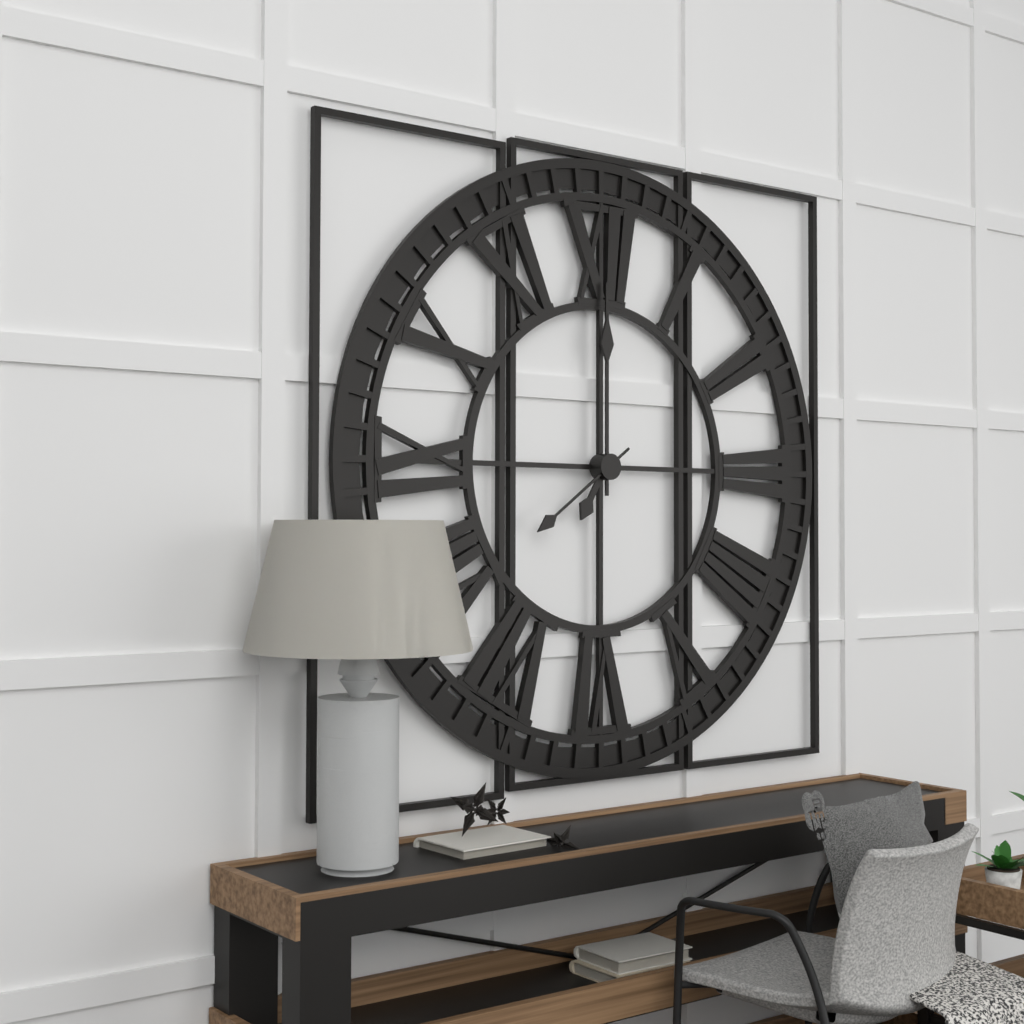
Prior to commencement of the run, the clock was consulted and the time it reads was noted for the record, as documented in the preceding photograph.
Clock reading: 7:00:39
